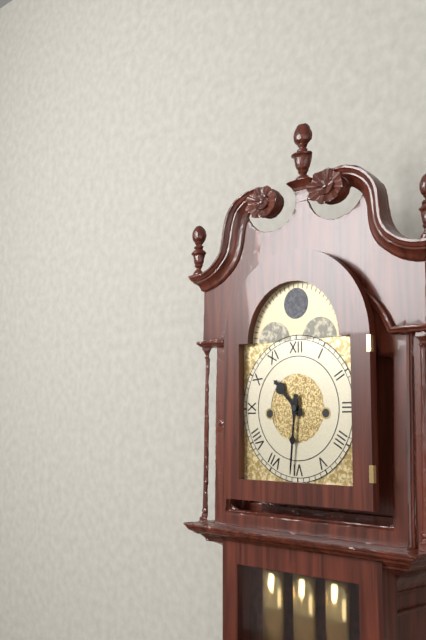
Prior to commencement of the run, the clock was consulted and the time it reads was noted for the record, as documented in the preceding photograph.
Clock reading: 10:31
